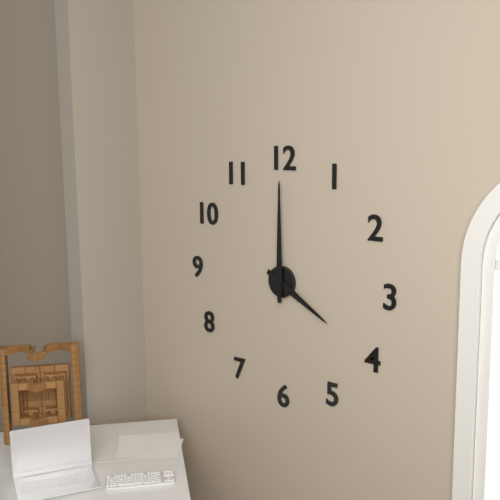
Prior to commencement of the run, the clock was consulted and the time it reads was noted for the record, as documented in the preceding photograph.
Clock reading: 4:00
